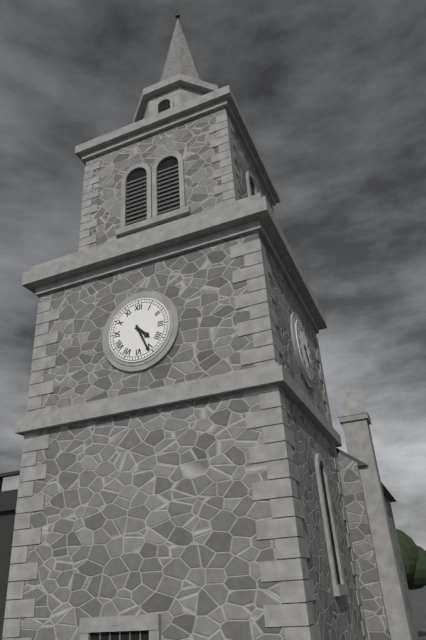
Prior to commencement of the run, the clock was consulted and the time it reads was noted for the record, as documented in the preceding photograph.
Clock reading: 4:26
